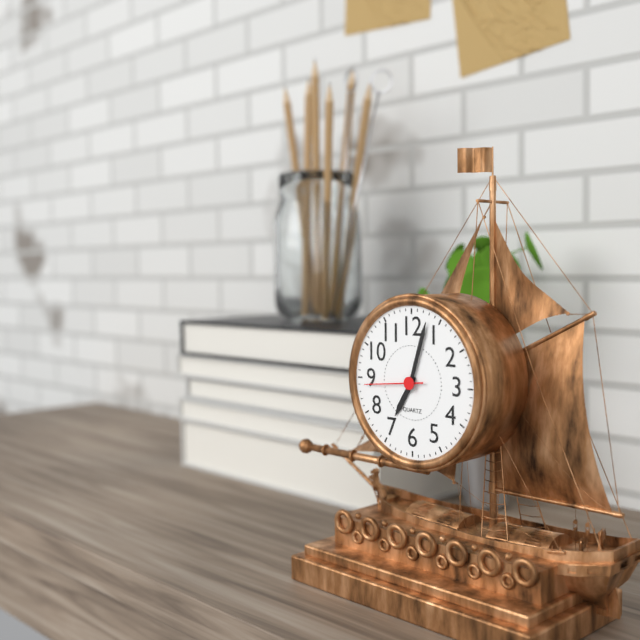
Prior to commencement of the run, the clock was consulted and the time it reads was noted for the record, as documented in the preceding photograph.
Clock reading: 7:03:44
